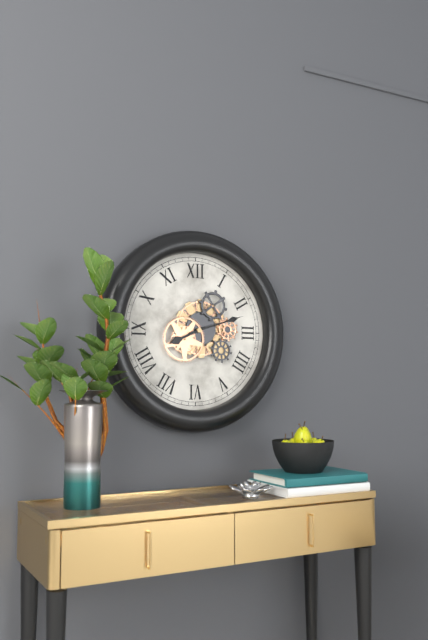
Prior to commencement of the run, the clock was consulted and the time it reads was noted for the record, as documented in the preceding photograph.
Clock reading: 8:12
